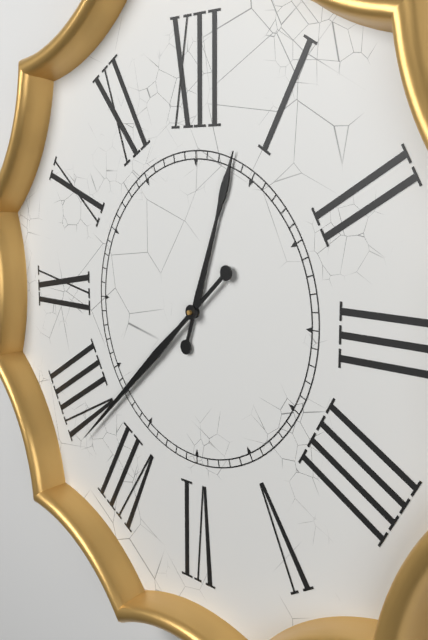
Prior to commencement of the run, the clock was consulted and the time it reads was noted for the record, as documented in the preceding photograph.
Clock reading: 12:38
